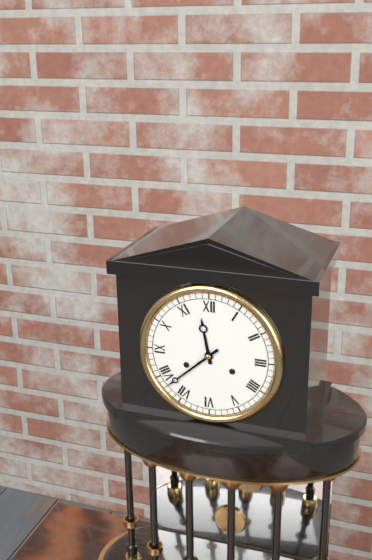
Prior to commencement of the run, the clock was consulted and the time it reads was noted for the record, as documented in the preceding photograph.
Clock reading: 11:38
